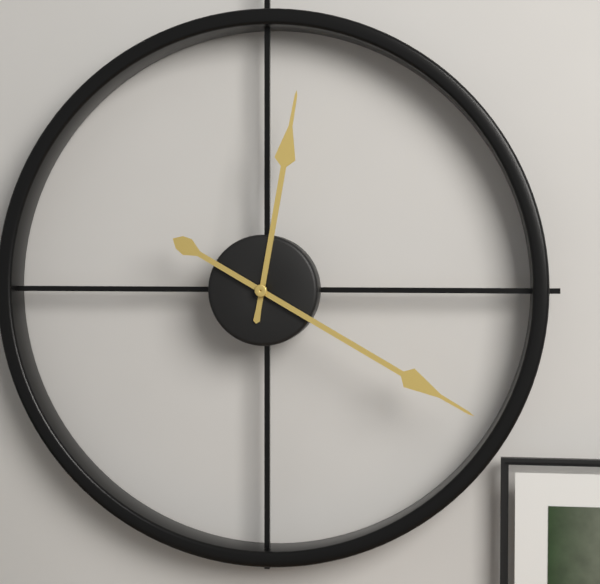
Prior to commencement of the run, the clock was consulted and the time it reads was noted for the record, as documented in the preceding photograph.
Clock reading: 12:20
